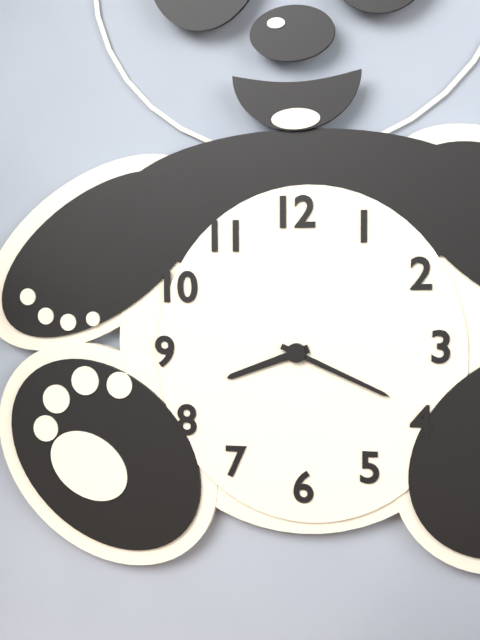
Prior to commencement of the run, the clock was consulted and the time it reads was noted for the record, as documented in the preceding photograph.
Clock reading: 8:19
